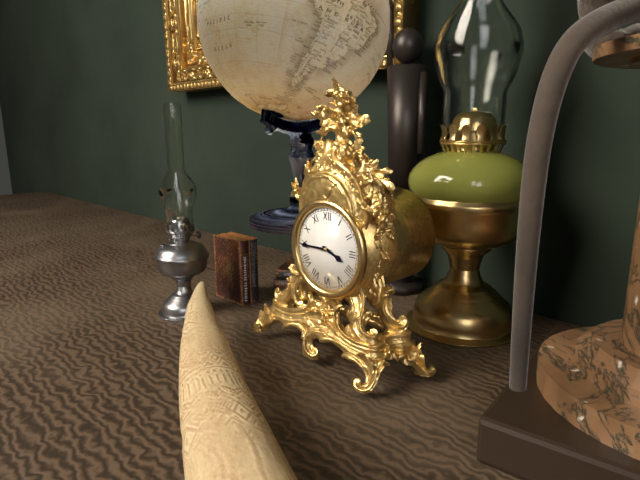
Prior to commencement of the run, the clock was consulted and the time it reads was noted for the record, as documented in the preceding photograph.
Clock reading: 3:45
